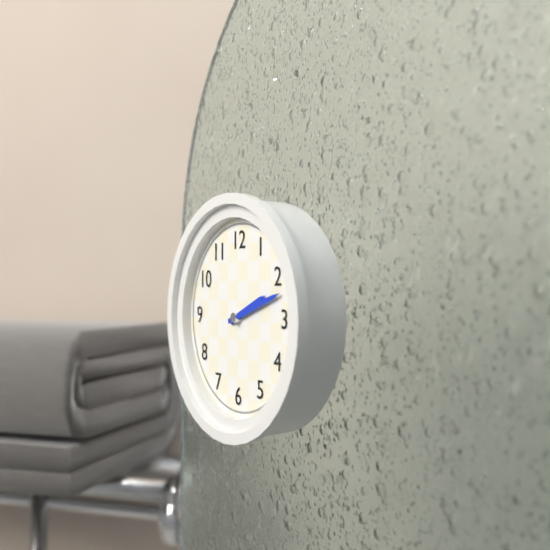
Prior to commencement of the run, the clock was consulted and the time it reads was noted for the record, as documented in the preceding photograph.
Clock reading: 2:12
